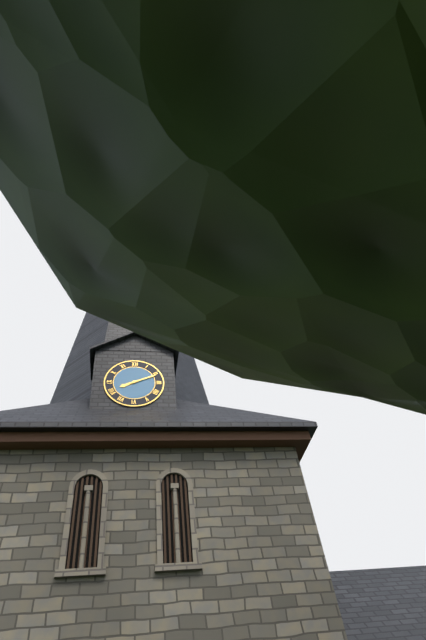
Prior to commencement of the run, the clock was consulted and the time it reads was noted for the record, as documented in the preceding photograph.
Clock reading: 8:11
